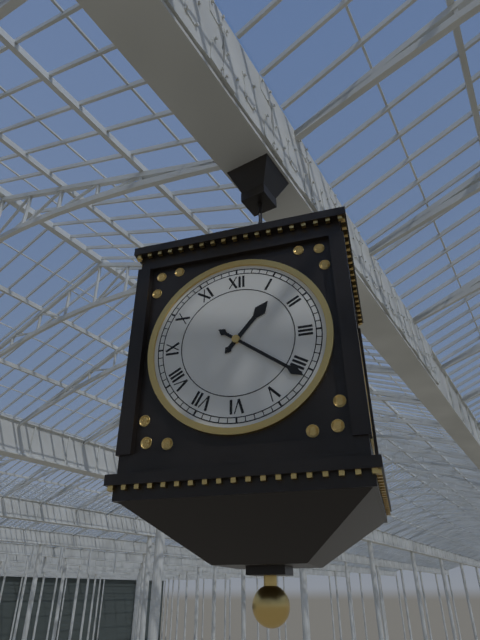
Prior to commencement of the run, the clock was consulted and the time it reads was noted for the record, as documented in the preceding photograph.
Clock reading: 1:21
